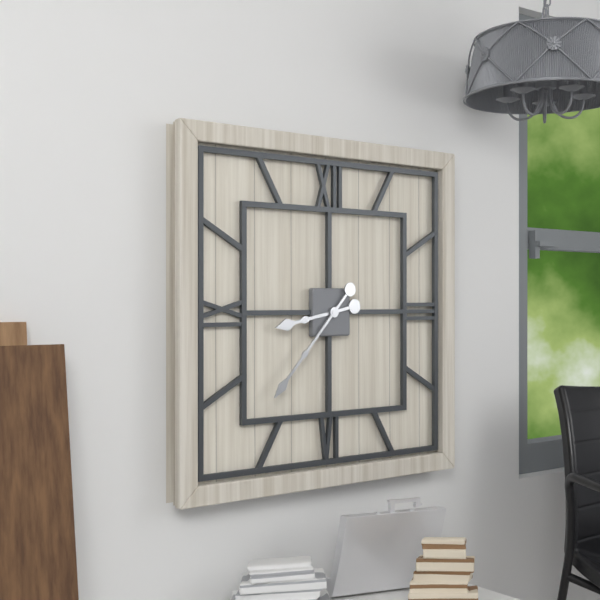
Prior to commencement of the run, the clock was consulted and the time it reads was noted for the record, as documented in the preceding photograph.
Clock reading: 8:37
